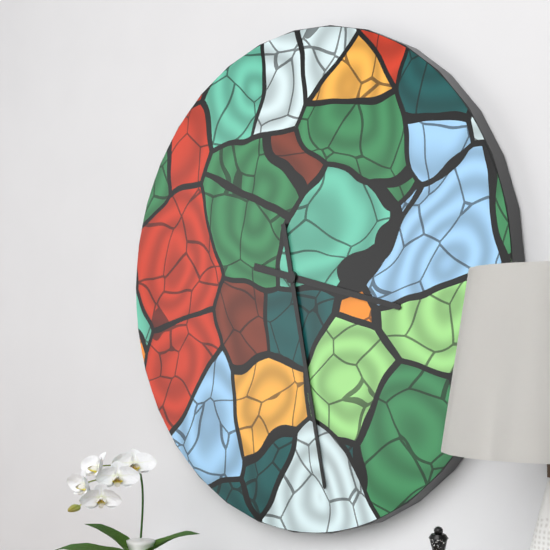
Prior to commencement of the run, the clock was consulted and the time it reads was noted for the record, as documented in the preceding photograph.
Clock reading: 3:28
